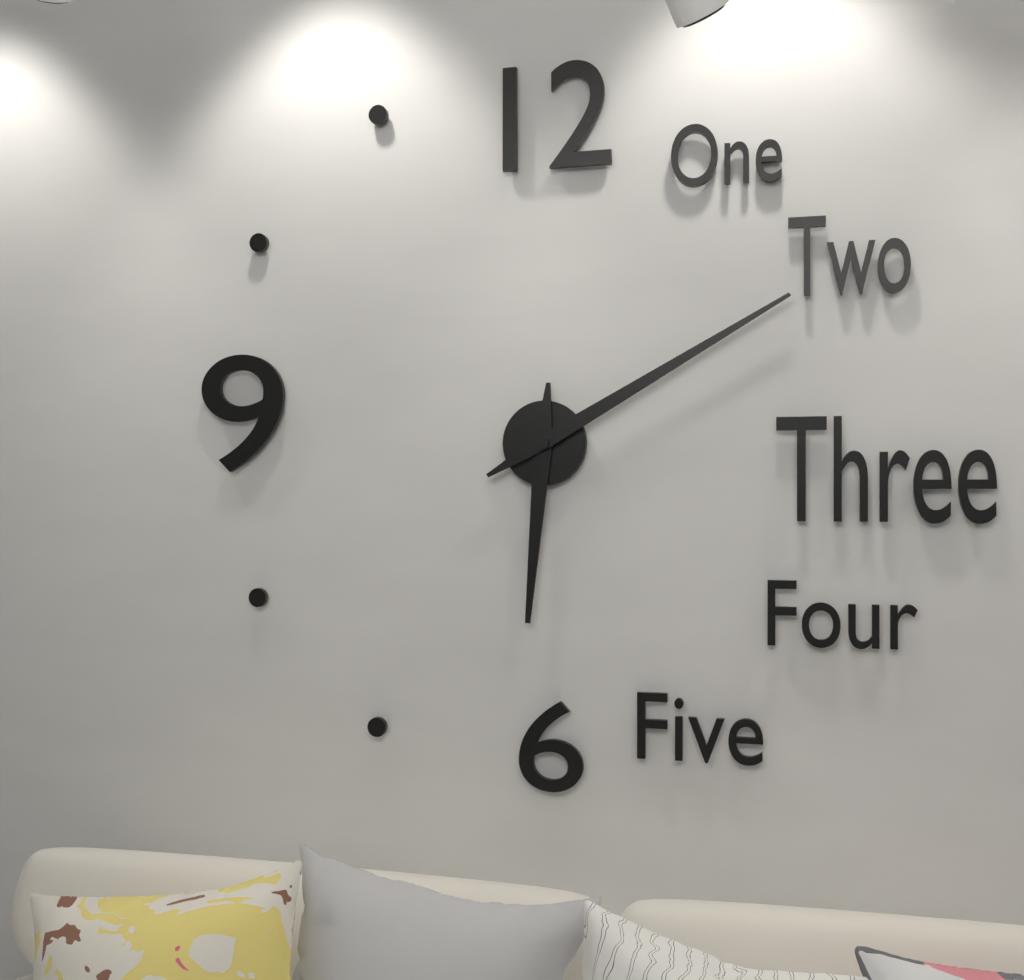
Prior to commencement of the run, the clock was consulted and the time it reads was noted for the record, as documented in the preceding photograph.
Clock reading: 6:10
